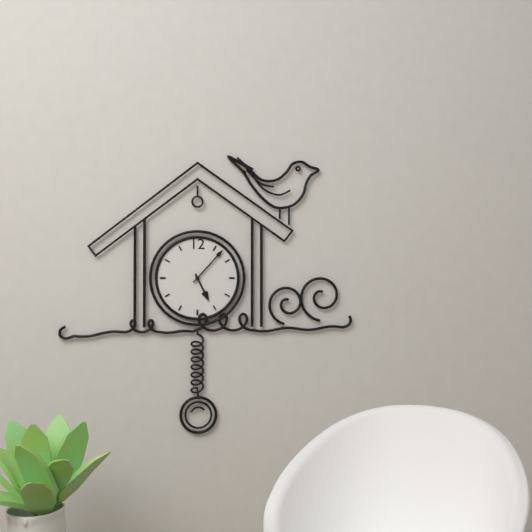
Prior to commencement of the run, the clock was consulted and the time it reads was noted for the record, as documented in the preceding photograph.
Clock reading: 5:07
